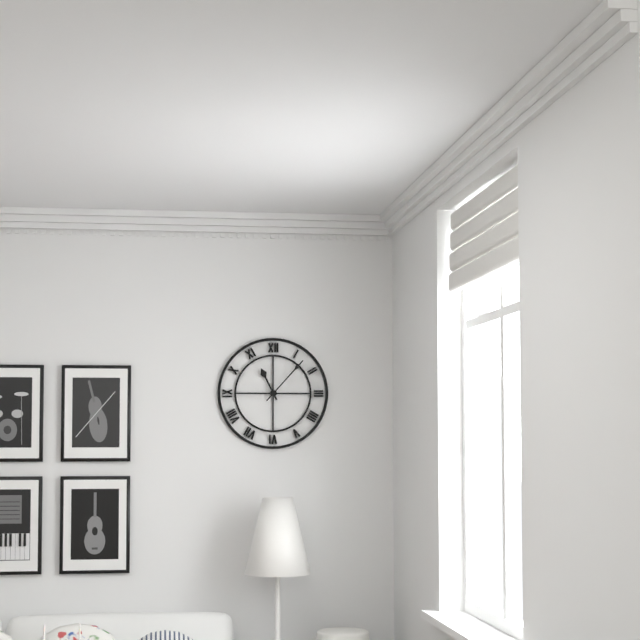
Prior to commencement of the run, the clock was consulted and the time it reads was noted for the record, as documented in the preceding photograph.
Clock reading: 11:07
